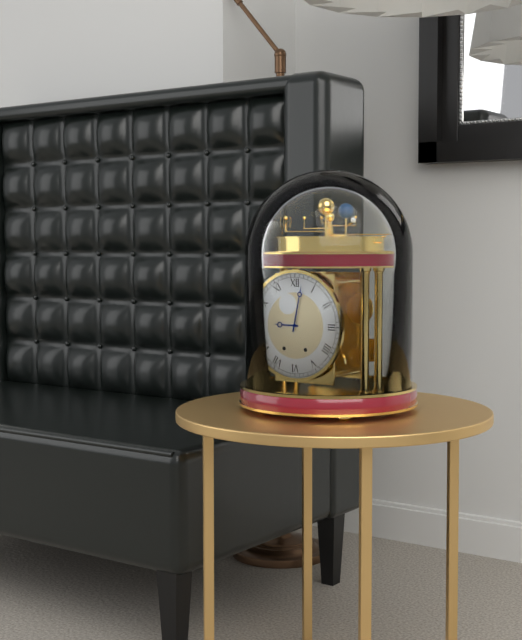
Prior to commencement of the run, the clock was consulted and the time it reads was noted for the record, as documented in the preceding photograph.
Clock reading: 9:02
